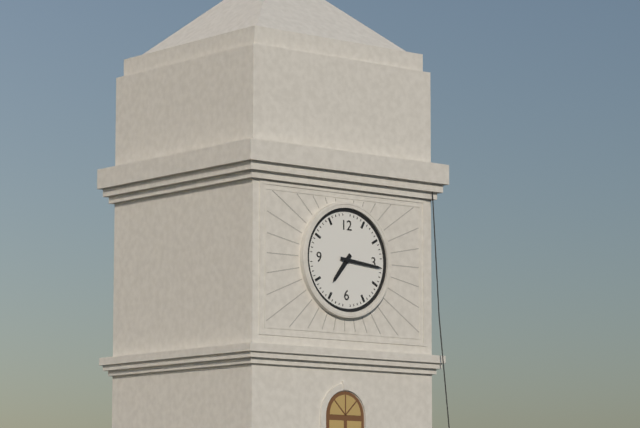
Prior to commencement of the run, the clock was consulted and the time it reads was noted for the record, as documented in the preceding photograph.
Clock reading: 7:16
